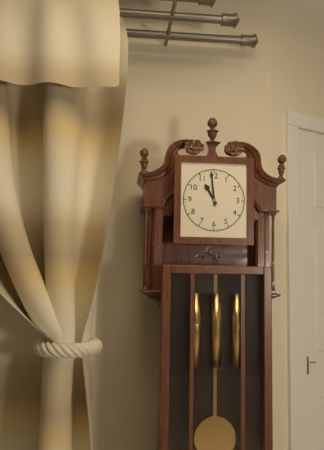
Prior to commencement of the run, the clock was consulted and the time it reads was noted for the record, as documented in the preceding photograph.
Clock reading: 10:59
